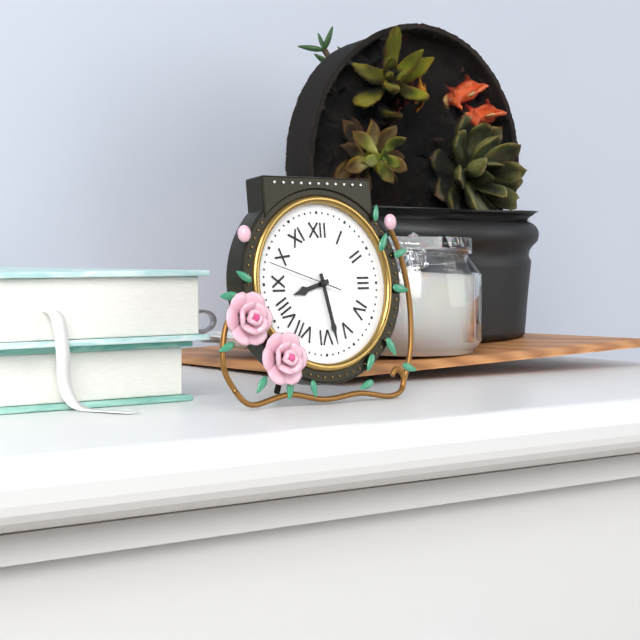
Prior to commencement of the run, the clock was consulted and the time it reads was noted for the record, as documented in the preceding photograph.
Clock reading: 8:28:48
